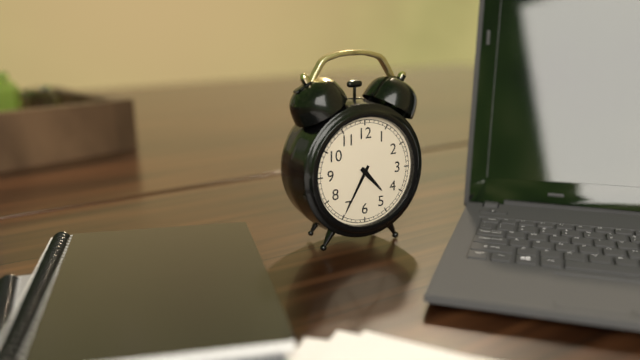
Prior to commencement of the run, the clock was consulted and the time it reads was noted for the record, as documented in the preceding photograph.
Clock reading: 4:35
